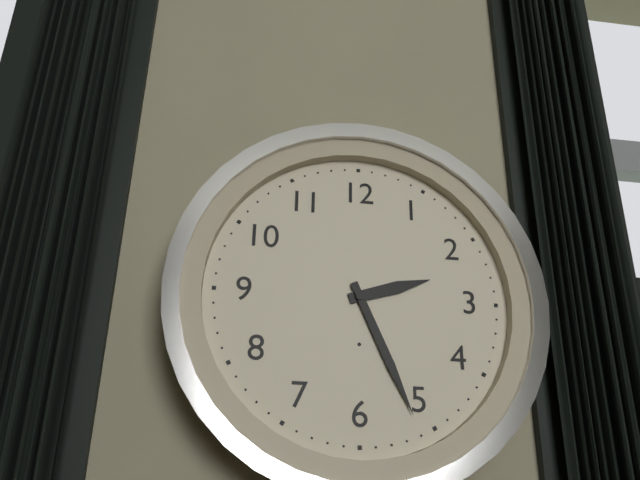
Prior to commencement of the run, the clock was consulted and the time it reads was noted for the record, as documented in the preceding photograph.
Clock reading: 2:26
